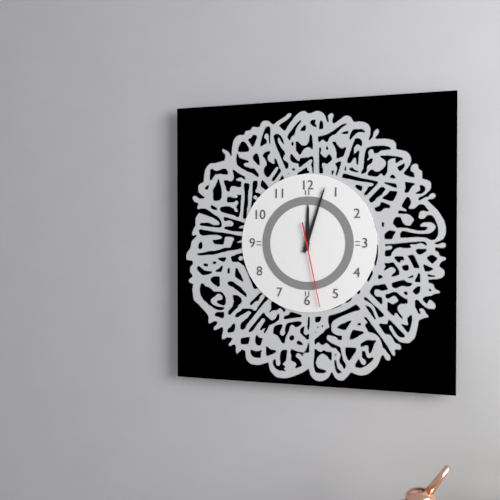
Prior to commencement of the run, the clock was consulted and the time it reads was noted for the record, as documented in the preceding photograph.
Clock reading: 12:03:28
